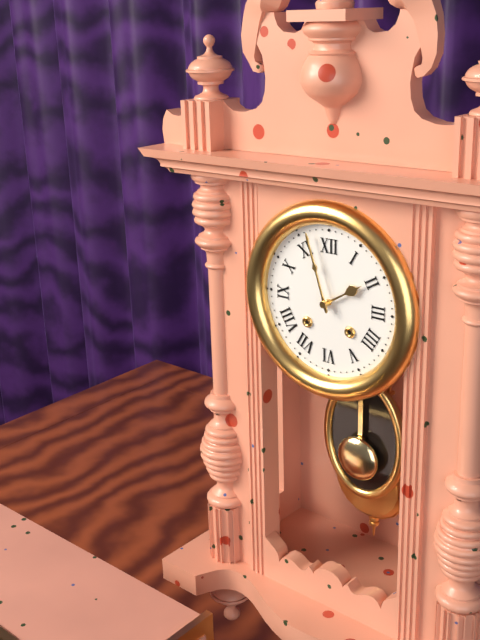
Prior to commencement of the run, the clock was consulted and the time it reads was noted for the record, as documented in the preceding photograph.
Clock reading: 1:57
